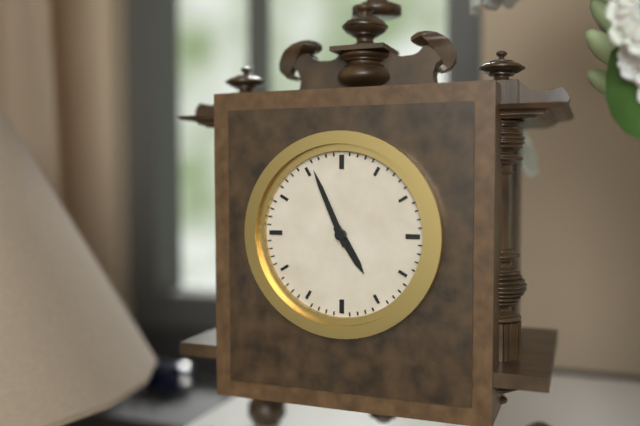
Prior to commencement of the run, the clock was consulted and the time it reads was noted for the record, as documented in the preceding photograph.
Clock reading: 4:56
